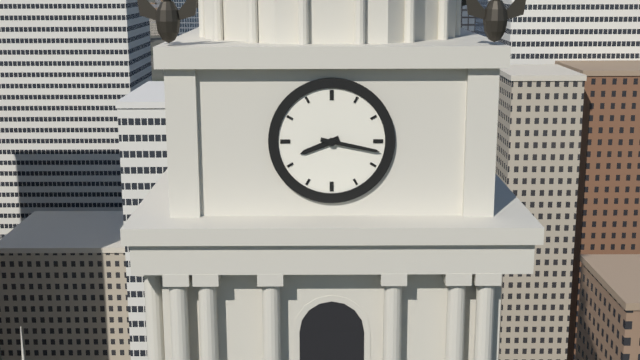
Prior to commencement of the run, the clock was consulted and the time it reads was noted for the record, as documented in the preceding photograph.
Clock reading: 8:17
